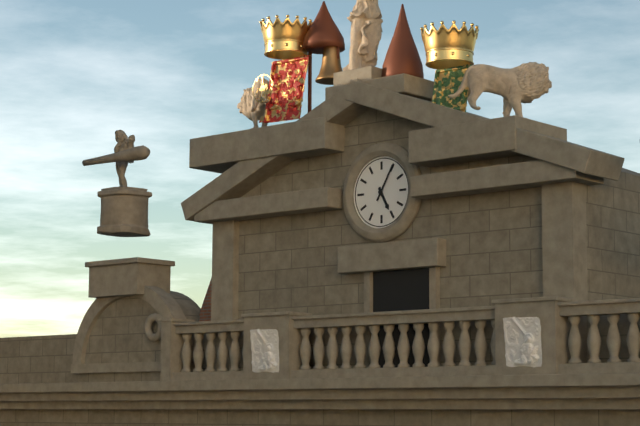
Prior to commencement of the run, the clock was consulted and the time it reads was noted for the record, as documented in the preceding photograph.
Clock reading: 5:05
